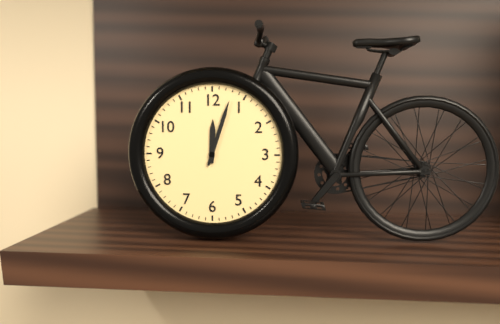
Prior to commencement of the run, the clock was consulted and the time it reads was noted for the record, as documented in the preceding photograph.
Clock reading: 12:03
